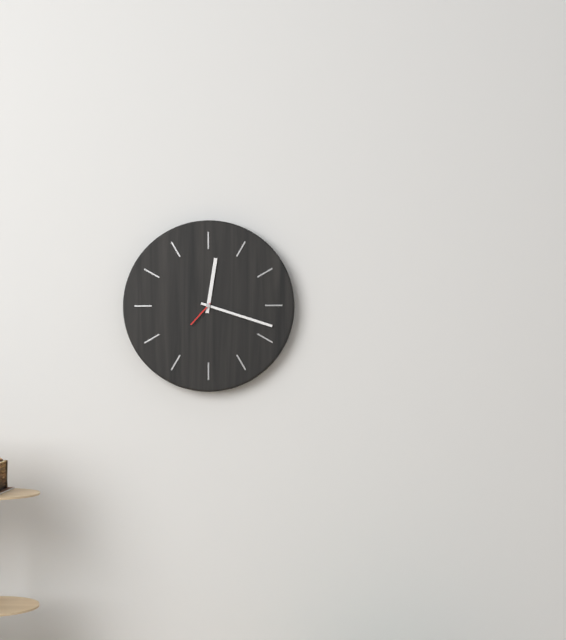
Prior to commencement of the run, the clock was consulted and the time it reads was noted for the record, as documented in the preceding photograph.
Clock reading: 12:18
